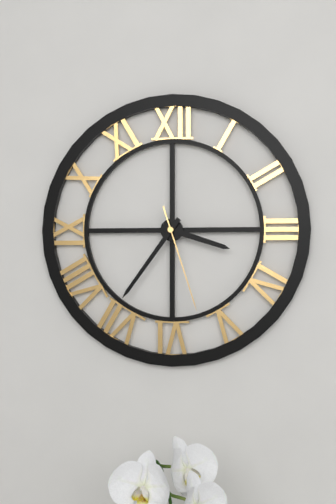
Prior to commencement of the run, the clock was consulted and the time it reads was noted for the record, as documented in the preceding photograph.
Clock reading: 3:36:27
